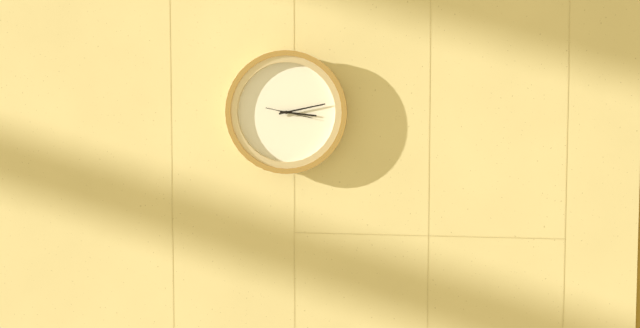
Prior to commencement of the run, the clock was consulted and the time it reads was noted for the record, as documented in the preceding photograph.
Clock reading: 3:13
